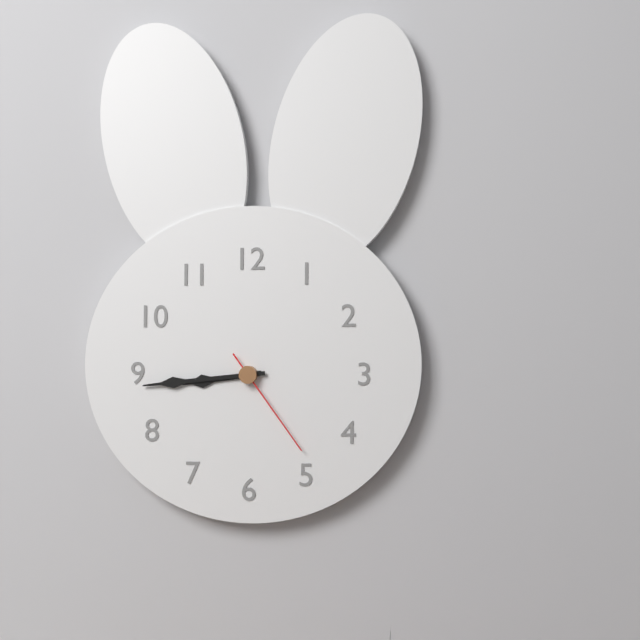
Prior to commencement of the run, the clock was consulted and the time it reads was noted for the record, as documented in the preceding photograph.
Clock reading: 8:44:24
